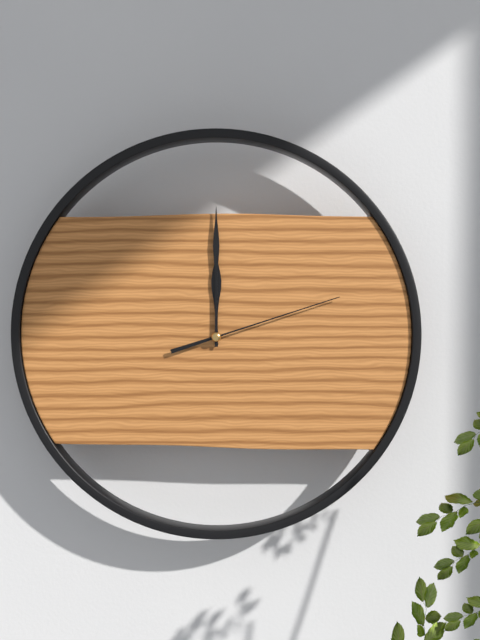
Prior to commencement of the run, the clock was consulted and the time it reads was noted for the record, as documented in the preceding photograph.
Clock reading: 12:00:12
